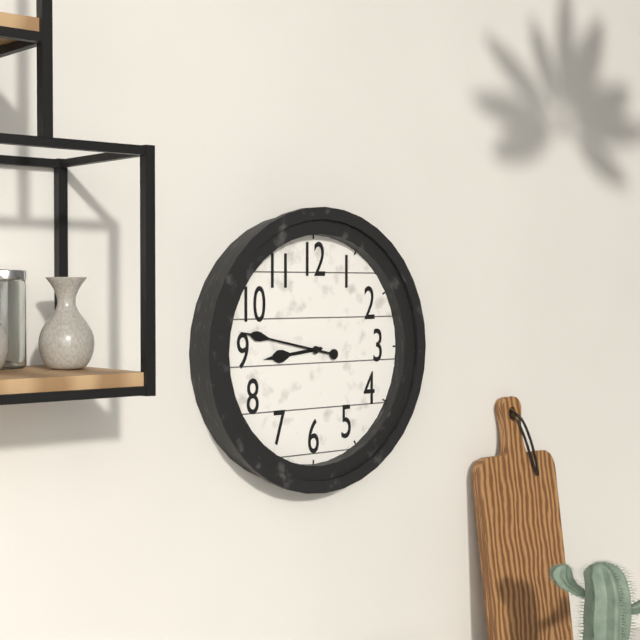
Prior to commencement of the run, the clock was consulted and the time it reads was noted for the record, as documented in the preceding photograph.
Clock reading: 8:47
